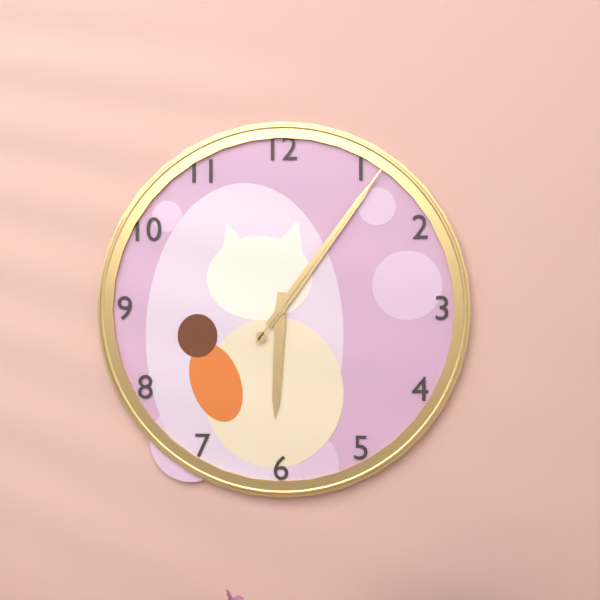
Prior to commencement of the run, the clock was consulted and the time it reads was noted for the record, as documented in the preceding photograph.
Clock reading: 6:06:06
